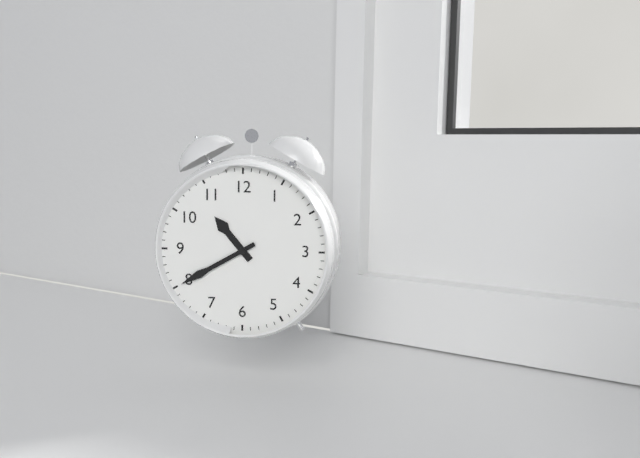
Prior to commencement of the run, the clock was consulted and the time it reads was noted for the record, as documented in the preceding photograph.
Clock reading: 10:40
